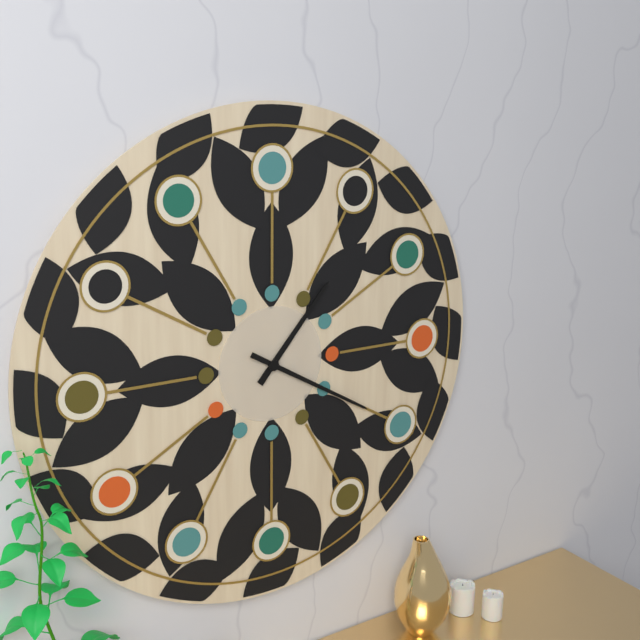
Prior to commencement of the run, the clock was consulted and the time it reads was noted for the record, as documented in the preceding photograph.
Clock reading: 1:20
